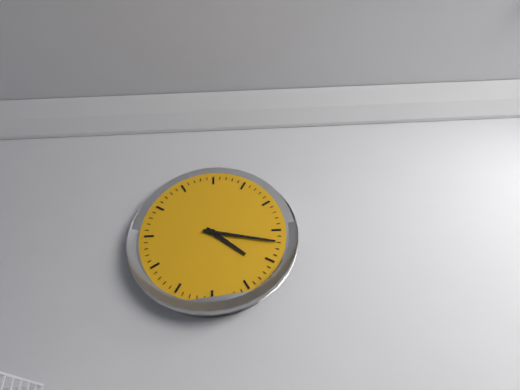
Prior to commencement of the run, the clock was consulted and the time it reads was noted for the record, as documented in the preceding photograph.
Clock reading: 4:17
